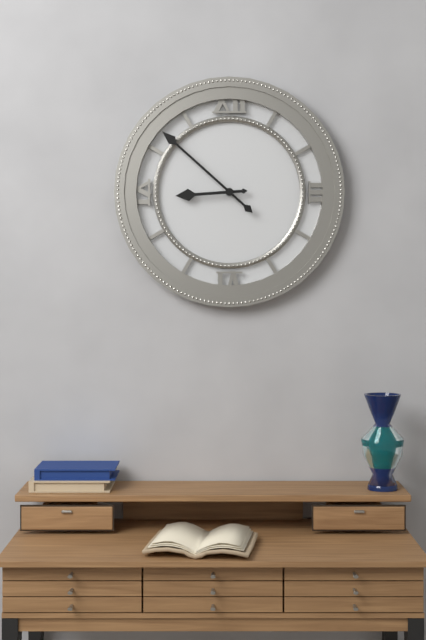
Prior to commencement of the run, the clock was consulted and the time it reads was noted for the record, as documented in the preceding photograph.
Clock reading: 8:52
